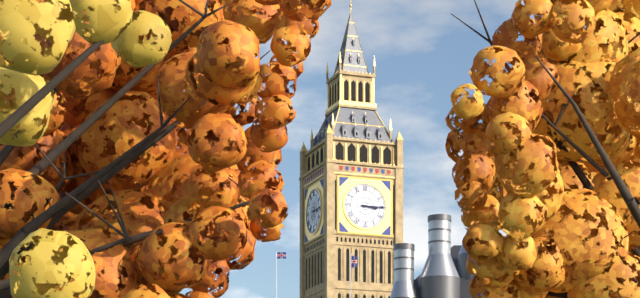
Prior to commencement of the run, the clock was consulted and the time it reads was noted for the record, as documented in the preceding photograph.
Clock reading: 3:15
